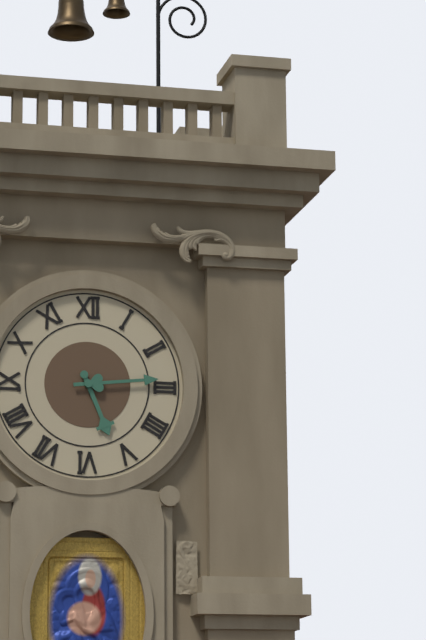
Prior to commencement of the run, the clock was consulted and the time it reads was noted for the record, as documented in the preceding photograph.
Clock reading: 5:14
